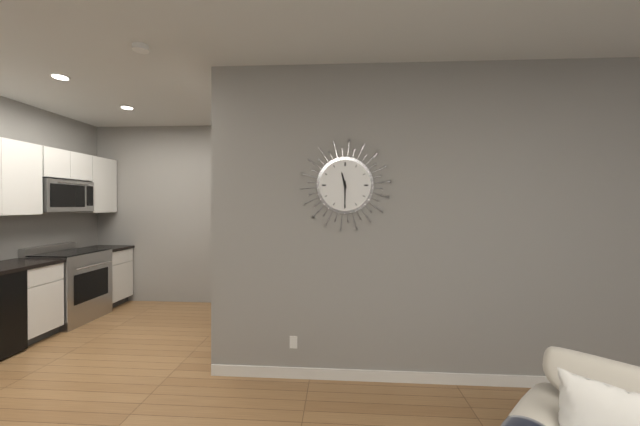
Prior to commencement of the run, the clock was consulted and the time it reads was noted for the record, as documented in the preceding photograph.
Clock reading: 11:30
